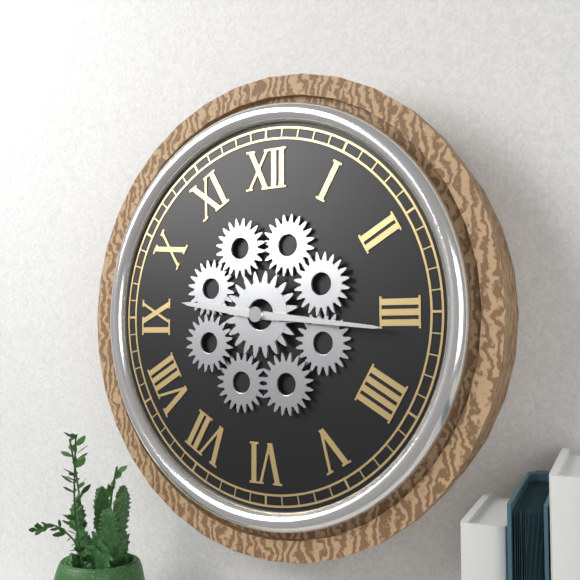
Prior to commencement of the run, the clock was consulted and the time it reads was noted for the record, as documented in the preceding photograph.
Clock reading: 9:16
